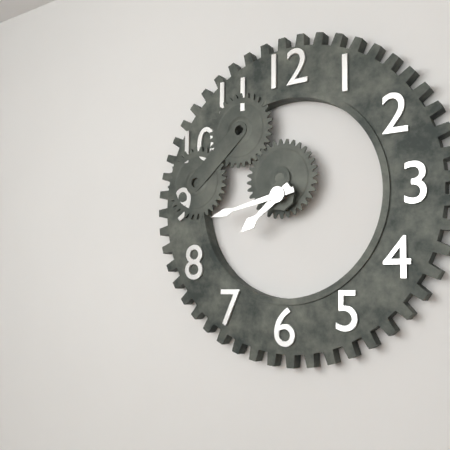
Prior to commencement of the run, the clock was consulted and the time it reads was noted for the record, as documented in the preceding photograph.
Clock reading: 7:43
